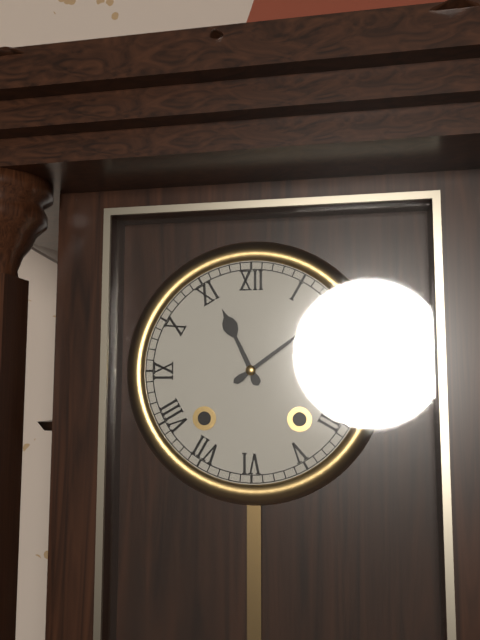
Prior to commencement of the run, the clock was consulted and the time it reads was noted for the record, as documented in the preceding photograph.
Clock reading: 11:09
